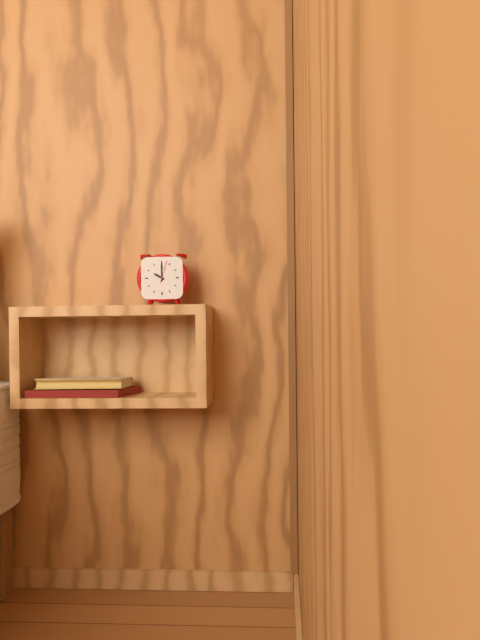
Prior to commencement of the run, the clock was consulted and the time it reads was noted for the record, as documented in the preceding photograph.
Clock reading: 10:00
